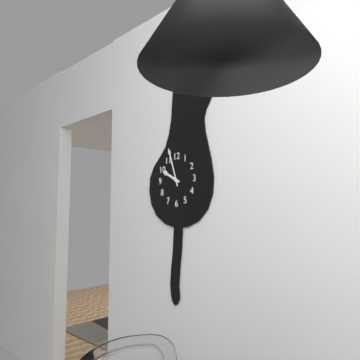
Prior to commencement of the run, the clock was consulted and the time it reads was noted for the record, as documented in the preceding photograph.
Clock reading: 9:57
